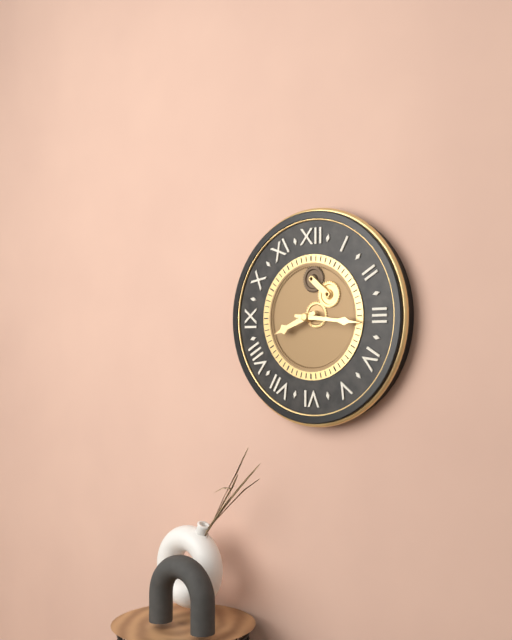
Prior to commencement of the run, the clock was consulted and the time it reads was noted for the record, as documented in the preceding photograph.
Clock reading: 8:16
